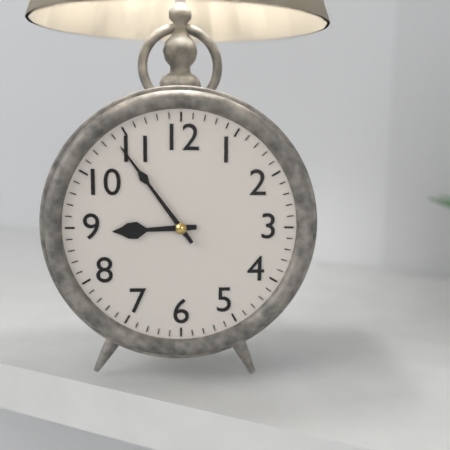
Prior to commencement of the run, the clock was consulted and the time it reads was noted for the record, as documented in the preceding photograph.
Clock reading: 8:54
